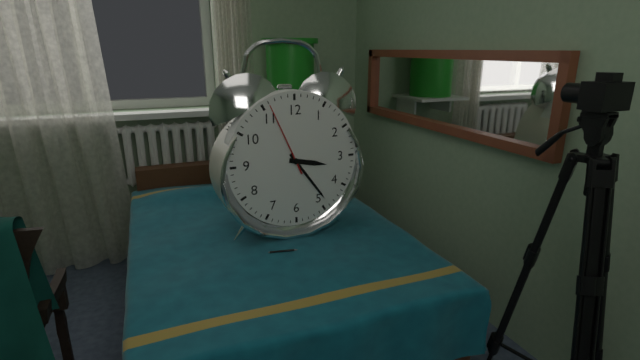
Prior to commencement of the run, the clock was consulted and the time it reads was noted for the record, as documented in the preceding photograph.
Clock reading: 3:24:56
